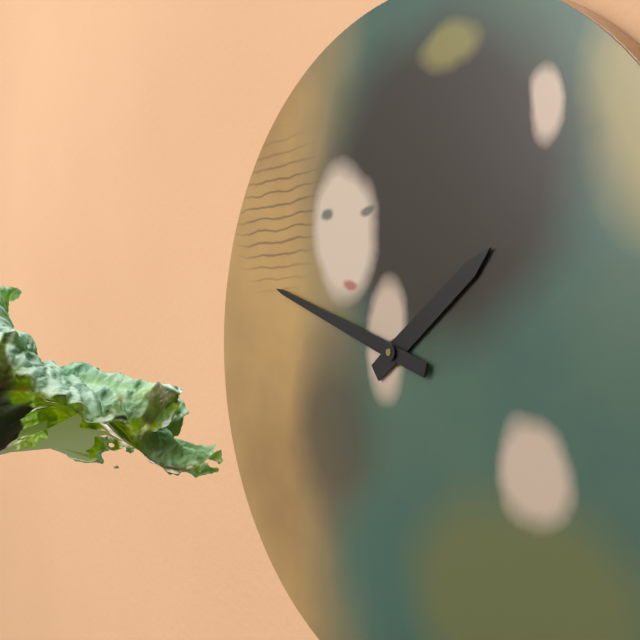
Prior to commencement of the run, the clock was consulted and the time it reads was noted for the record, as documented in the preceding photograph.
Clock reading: 1:48
